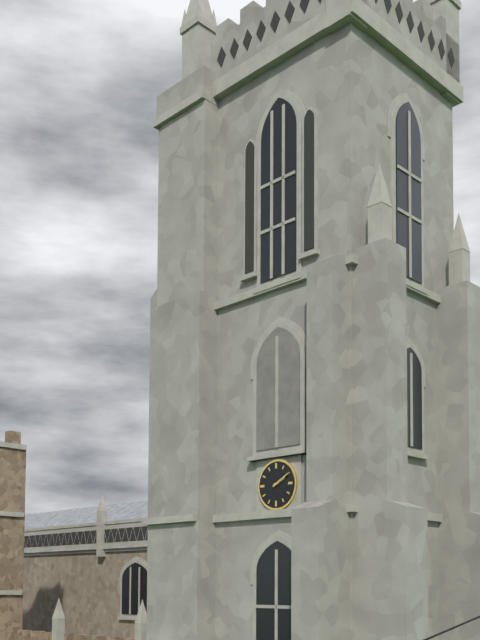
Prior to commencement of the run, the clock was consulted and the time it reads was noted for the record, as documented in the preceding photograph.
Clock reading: 2:10
